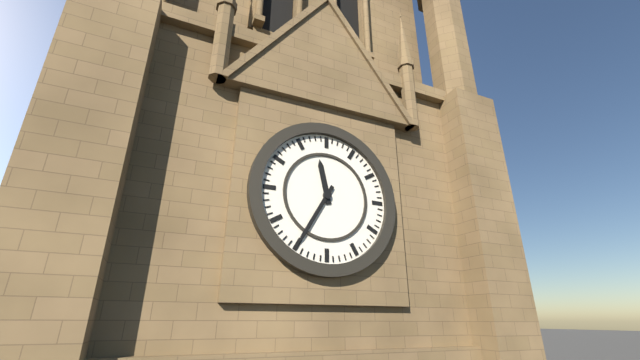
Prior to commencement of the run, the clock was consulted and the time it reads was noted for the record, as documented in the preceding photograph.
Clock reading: 11:35
